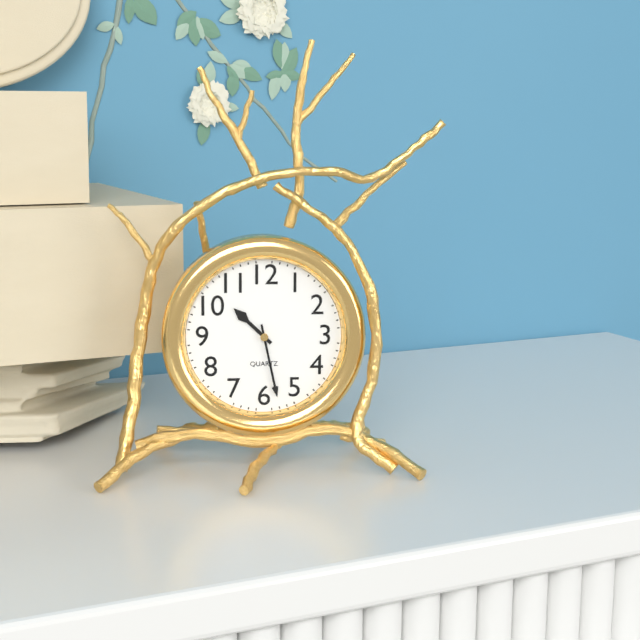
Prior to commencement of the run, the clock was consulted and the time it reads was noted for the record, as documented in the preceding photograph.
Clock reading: 10:28
